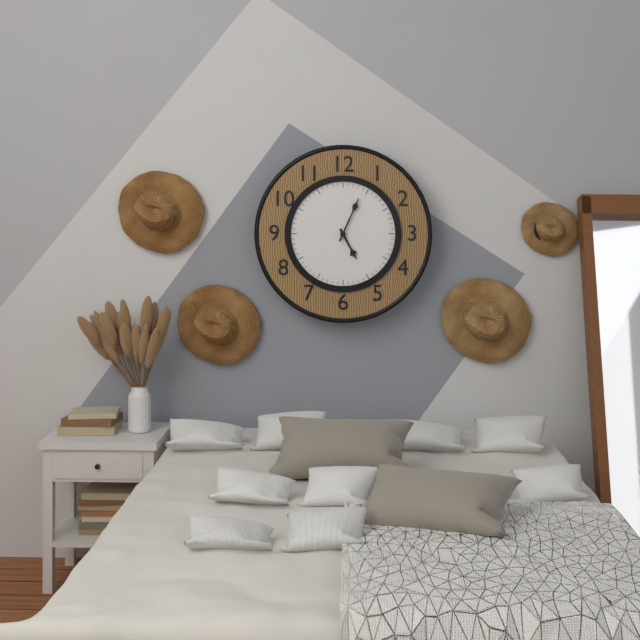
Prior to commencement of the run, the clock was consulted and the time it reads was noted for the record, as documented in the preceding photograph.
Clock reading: 5:04
